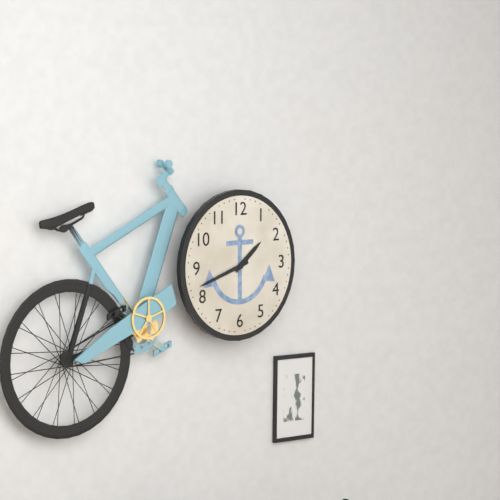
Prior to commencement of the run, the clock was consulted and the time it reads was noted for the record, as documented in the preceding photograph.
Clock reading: 1:42
